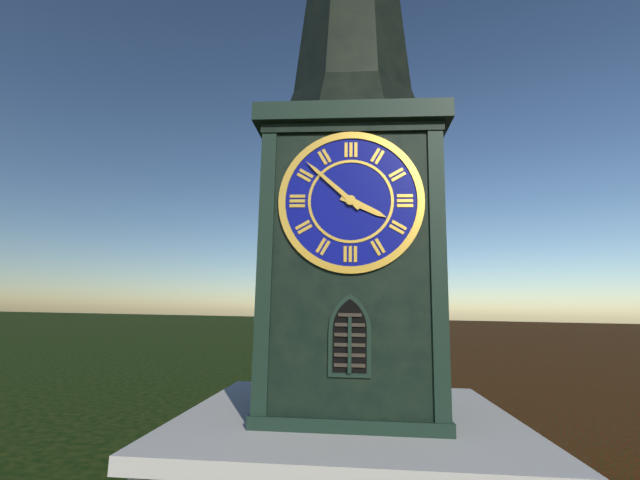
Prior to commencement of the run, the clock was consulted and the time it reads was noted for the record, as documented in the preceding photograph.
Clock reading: 3:52
